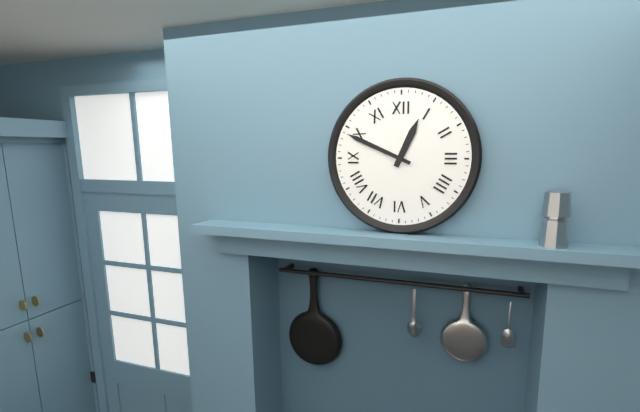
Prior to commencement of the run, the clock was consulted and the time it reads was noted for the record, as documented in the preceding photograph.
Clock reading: 12:49
